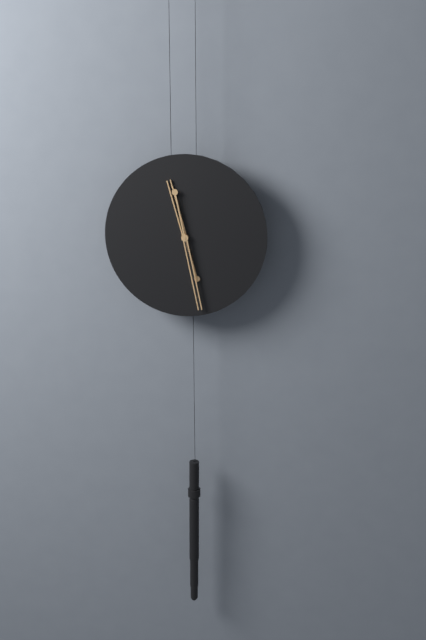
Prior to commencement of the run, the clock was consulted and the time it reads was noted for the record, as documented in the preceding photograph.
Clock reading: 11:28
